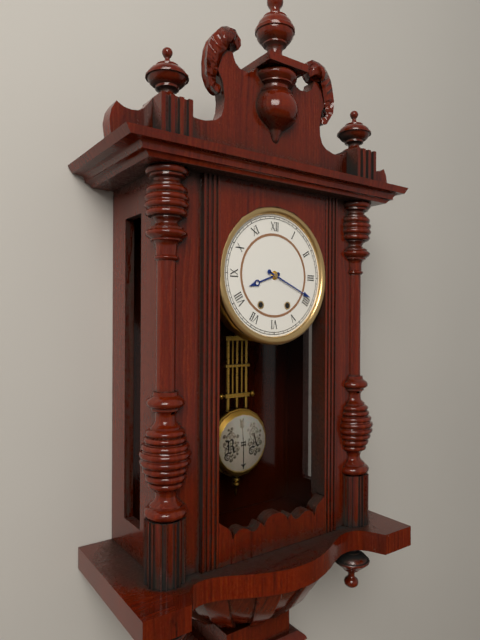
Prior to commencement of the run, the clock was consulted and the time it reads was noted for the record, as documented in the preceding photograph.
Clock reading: 8:19
